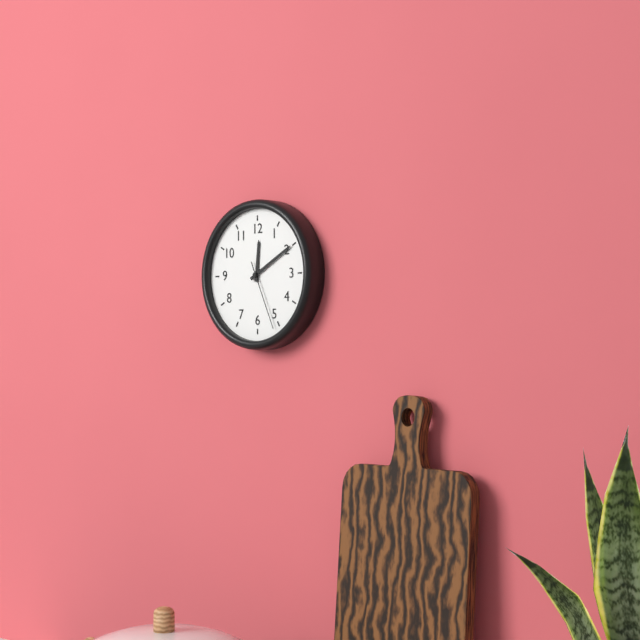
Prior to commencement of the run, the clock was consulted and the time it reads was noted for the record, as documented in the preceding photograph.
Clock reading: 12:10:26
